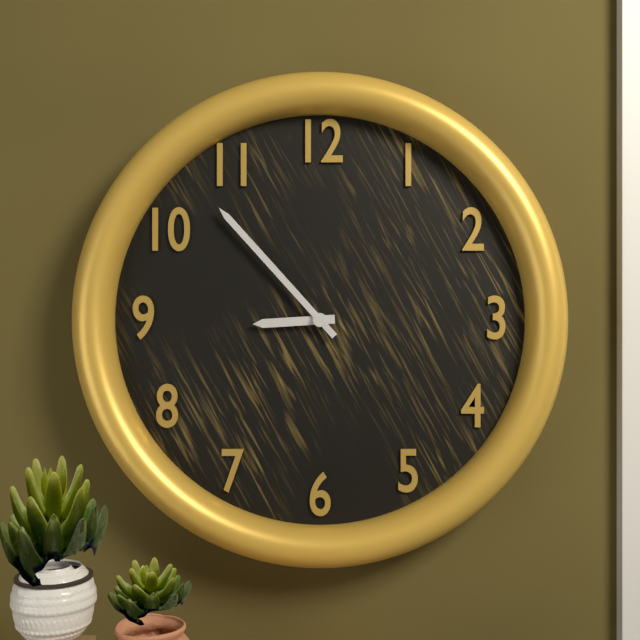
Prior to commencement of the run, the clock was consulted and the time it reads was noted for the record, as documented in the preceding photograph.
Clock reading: 8:53
